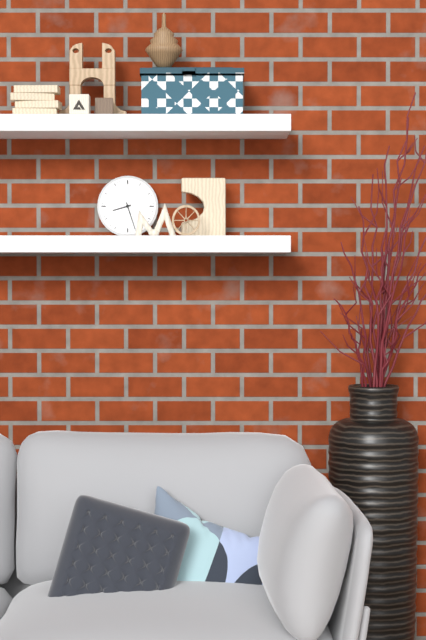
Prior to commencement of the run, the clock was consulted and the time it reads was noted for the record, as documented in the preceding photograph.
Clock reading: 8:27
